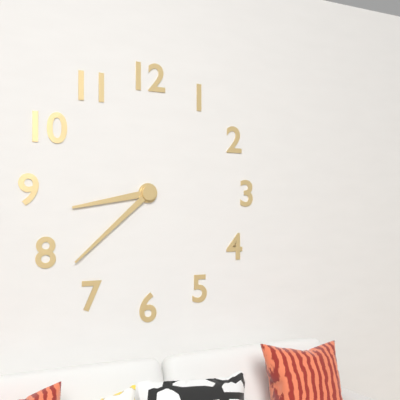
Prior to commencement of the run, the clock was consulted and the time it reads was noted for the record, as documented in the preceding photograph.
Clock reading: 8:38
